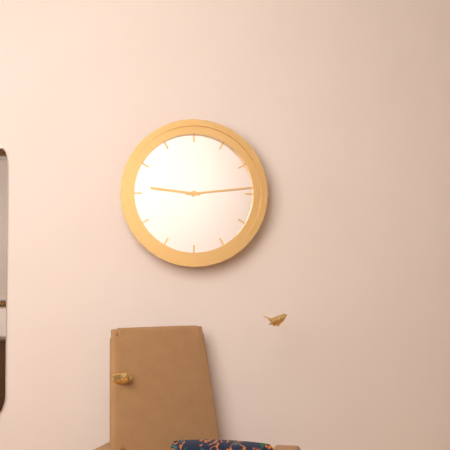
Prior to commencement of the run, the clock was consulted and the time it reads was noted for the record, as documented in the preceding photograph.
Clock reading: 9:14
